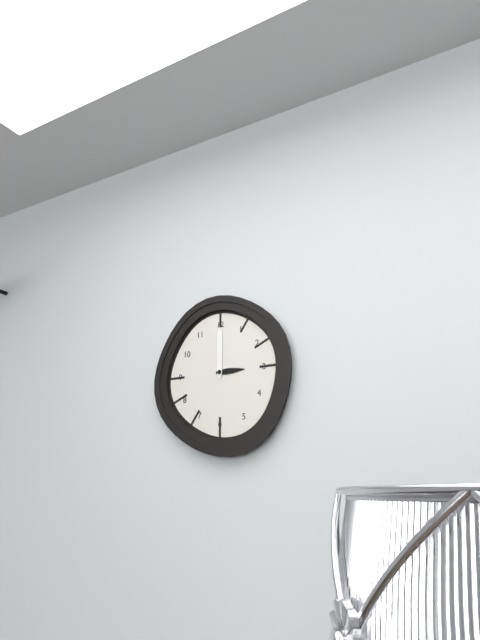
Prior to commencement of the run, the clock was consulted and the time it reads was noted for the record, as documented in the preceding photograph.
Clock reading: 3:00
